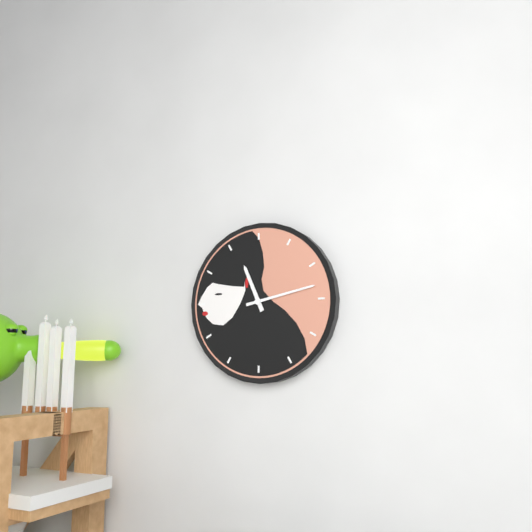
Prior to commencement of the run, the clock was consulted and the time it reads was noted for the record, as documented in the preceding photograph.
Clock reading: 11:13
